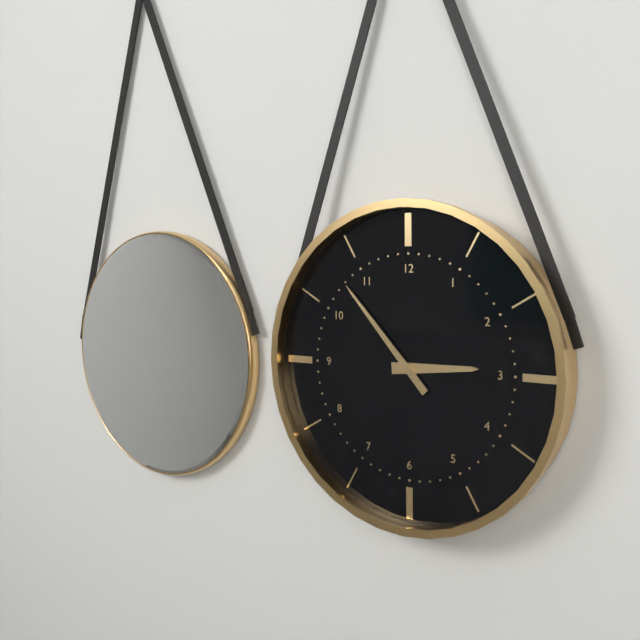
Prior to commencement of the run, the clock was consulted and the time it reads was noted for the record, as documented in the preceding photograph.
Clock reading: 2:53
